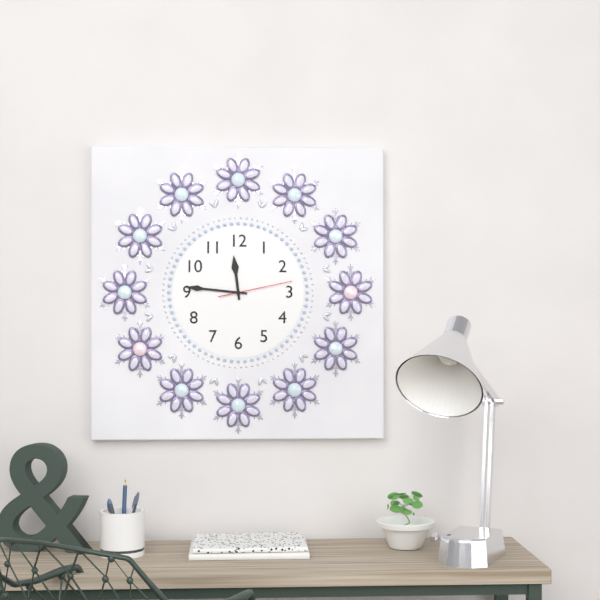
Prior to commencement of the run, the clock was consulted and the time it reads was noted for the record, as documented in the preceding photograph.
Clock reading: 11:46:13
